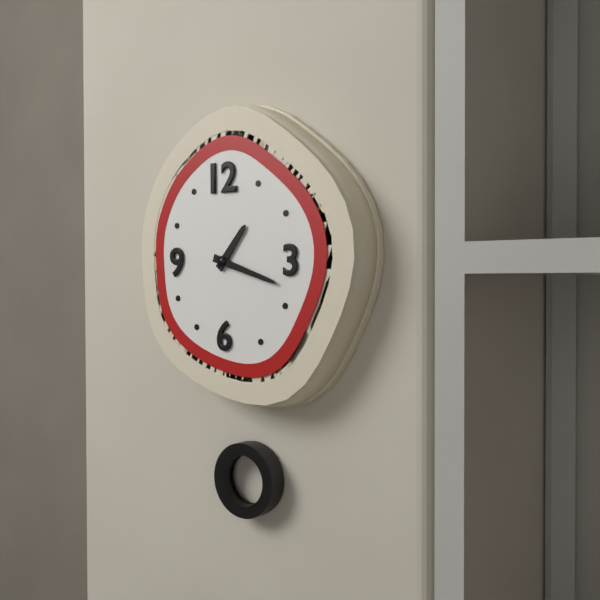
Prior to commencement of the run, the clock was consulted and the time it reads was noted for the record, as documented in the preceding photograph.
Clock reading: 1:18
